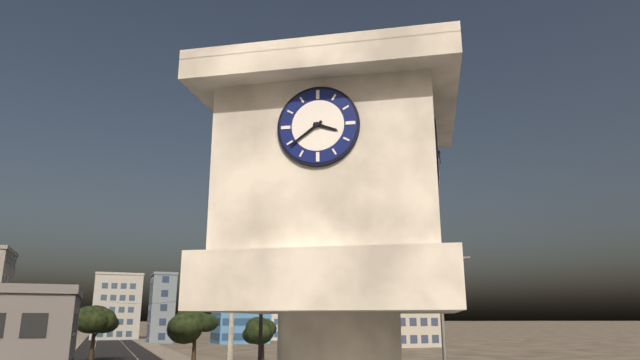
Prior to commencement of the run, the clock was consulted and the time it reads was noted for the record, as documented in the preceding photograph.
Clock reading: 3:39
